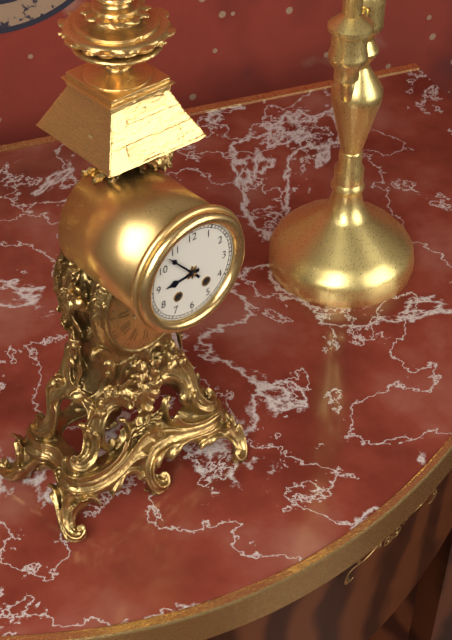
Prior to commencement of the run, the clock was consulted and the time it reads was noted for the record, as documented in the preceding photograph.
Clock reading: 8:53
